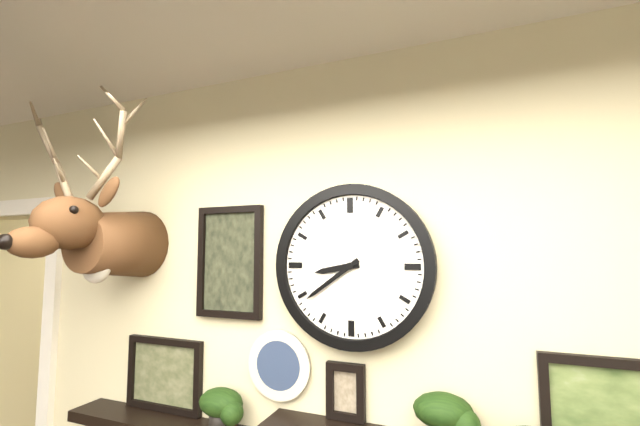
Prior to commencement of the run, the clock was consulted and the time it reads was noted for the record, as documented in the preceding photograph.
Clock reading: 8:39
